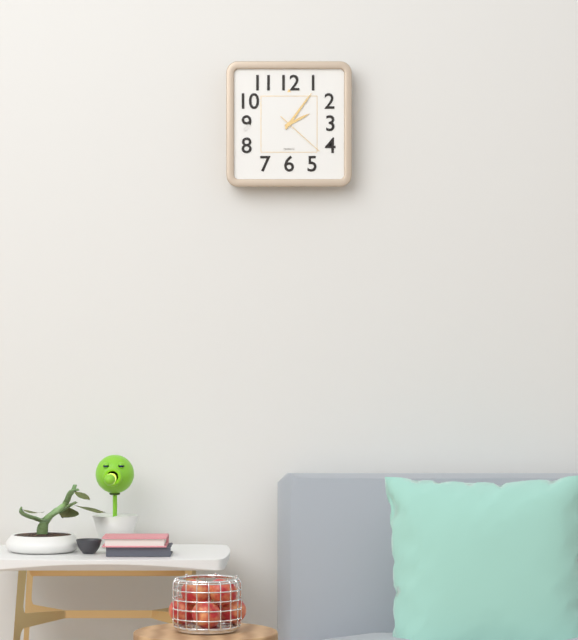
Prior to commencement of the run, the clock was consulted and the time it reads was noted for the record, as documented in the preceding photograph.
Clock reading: 2:06:22
